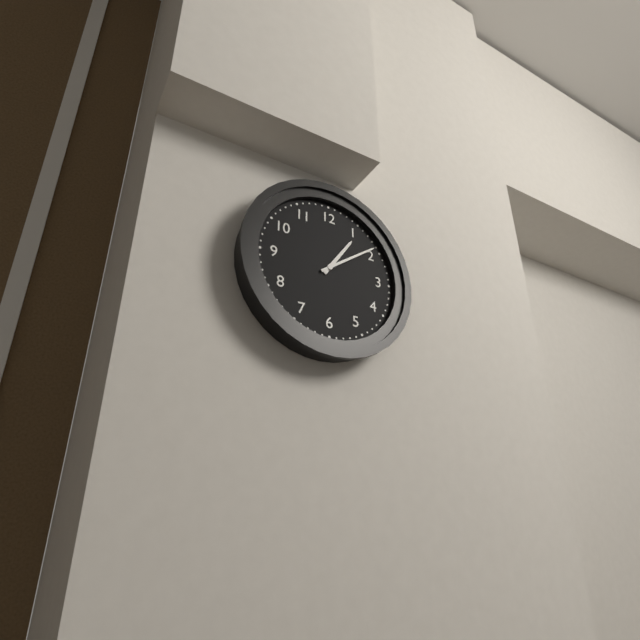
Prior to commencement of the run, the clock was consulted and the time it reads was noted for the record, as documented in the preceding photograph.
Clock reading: 1:09
